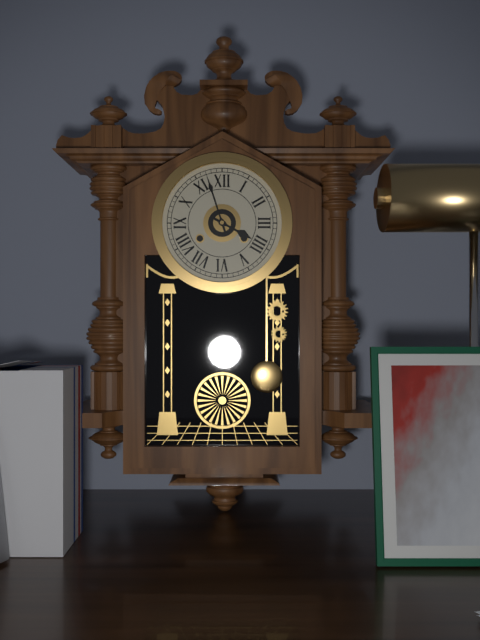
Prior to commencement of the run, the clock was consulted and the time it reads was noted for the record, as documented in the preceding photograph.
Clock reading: 3:57
